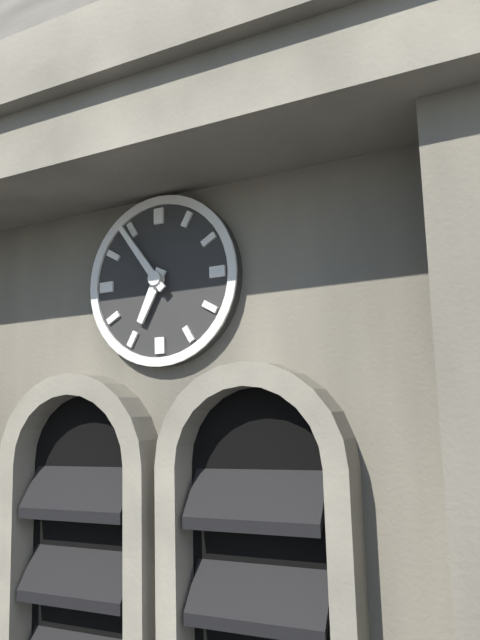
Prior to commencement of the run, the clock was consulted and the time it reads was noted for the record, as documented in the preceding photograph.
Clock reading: 6:54
